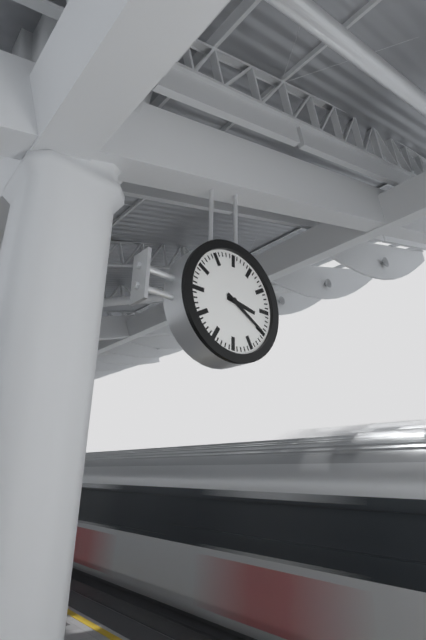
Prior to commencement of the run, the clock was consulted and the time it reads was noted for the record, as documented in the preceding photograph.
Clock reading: 3:20
